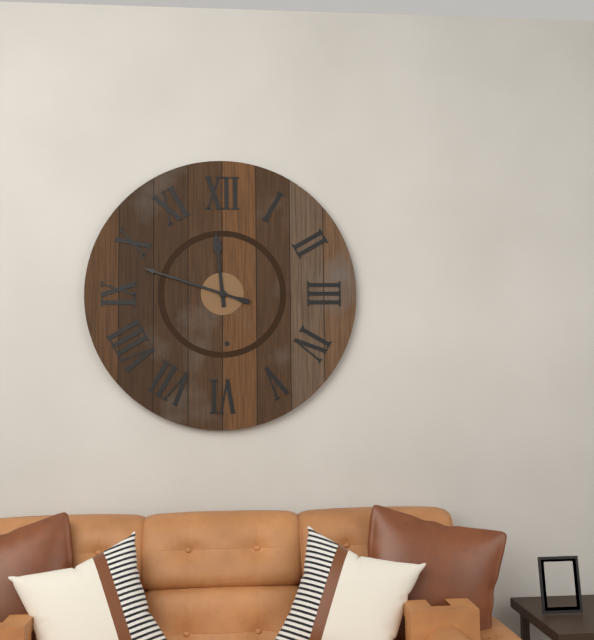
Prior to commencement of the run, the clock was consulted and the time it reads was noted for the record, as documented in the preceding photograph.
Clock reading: 11:48
